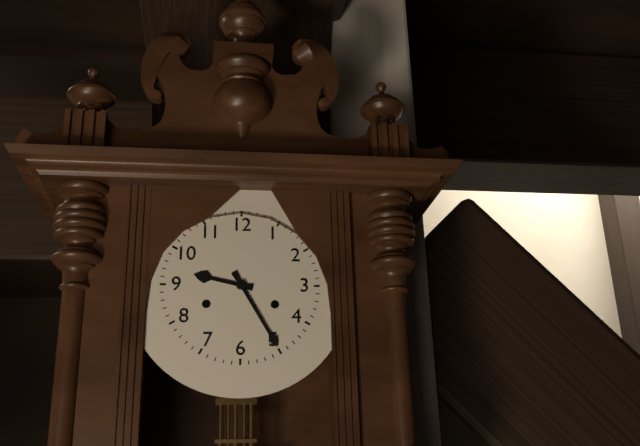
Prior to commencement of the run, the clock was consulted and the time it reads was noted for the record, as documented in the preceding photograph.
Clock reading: 9:25
